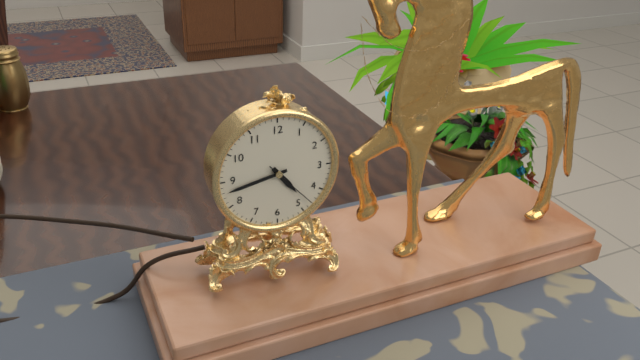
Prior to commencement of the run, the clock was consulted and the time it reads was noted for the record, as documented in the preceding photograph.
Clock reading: 4:43:23
